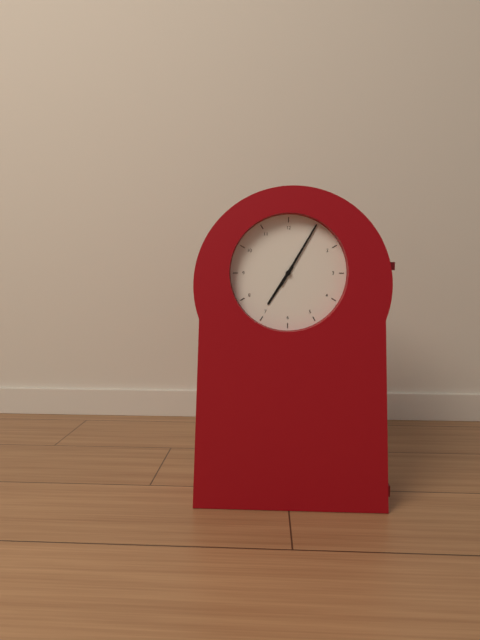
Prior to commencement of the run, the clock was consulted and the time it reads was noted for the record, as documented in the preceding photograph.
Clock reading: 7:05
